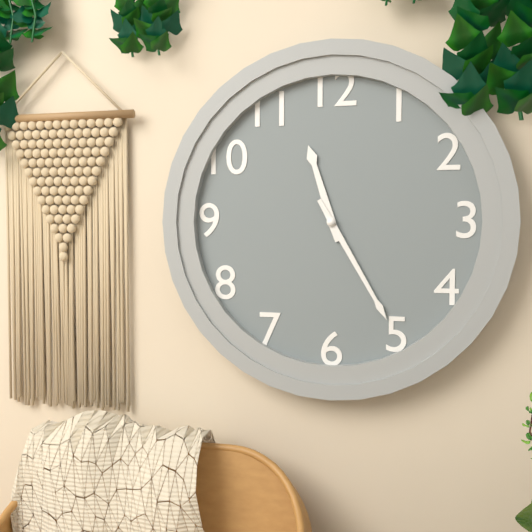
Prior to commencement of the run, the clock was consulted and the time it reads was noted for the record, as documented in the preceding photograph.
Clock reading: 11:25
